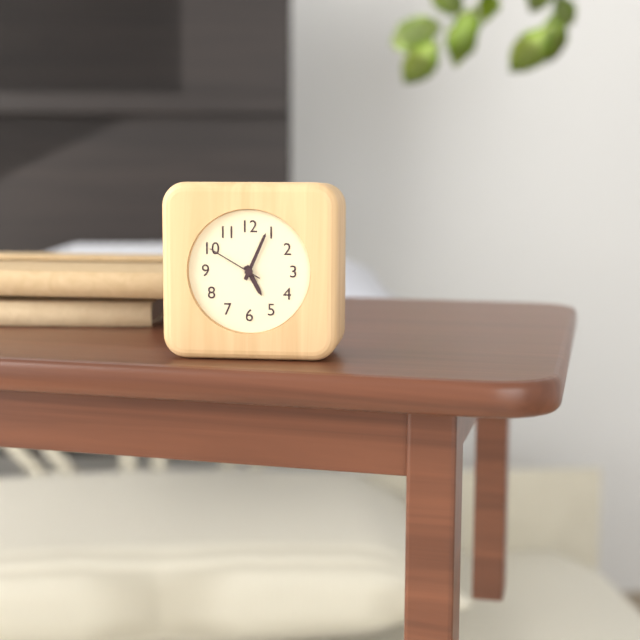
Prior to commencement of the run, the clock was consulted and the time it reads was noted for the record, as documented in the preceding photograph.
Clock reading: 5:04:50
